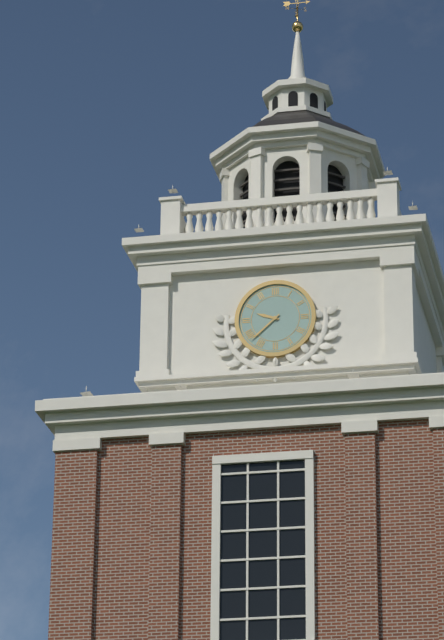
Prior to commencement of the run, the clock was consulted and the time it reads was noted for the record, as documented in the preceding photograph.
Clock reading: 9:38
